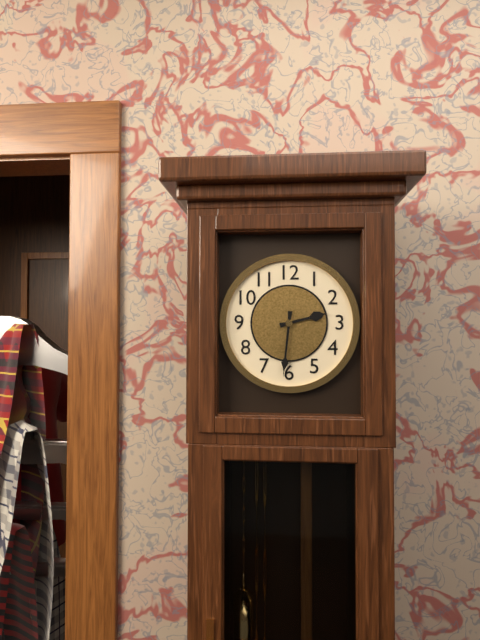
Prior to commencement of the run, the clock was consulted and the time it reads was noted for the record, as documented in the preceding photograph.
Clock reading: 2:31
